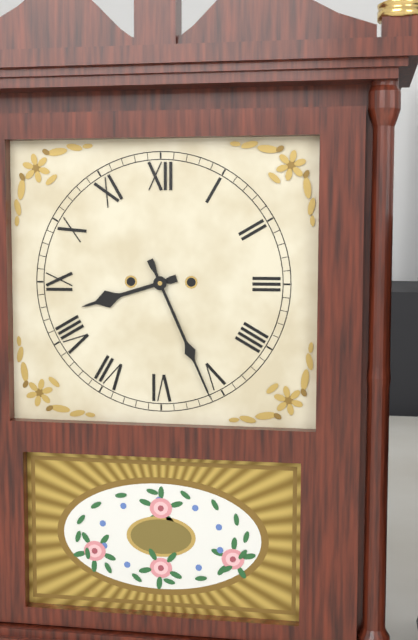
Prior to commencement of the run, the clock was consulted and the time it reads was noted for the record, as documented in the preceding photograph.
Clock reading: 8:26
